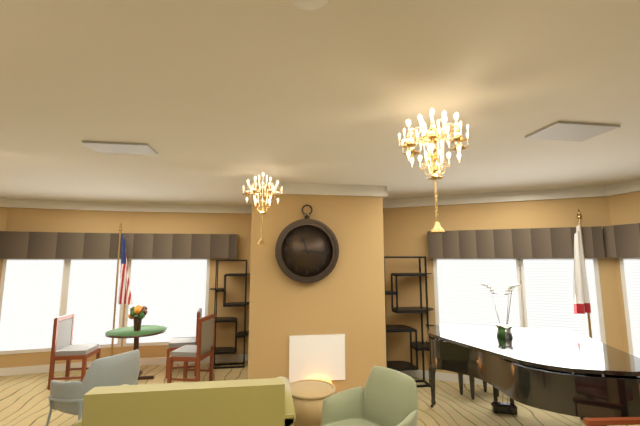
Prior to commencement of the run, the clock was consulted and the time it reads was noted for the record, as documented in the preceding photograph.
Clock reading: 11:16
